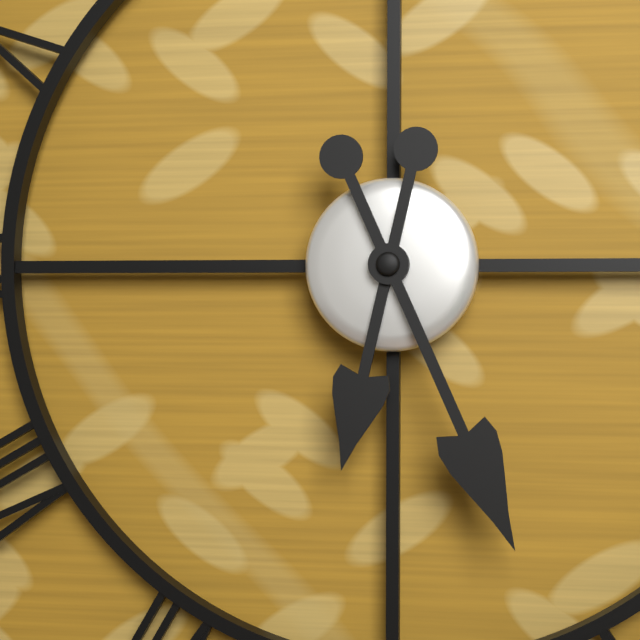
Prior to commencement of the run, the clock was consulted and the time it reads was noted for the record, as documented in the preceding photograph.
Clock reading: 6:26
